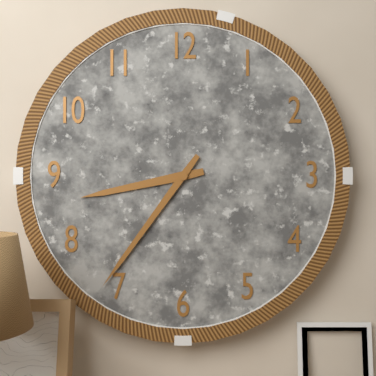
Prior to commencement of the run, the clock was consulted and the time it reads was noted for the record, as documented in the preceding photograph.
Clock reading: 8:36
